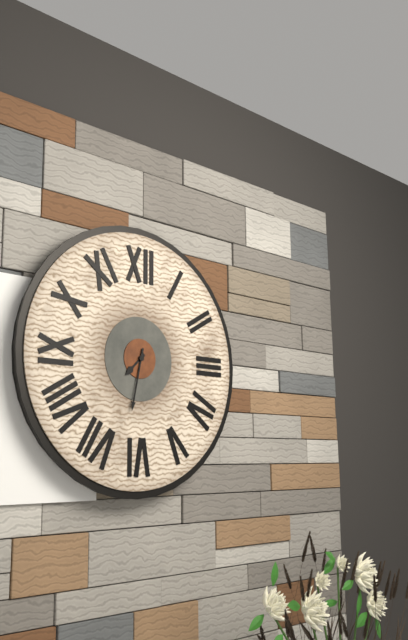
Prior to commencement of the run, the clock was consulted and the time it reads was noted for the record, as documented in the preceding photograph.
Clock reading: 7:32
